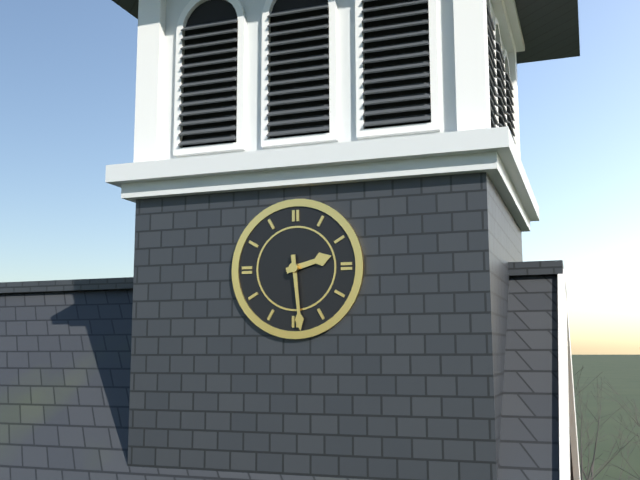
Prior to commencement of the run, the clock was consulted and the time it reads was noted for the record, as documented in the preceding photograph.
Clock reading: 2:29
